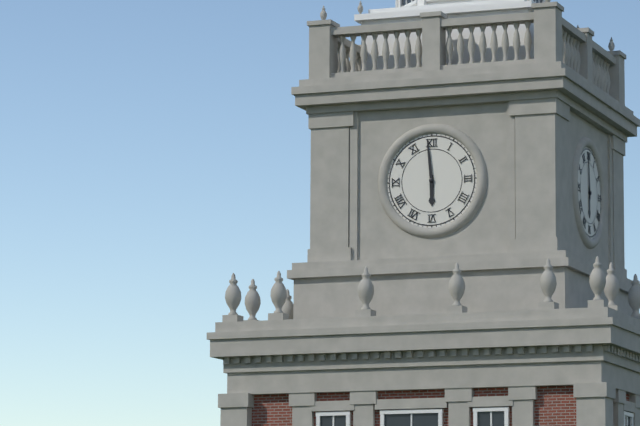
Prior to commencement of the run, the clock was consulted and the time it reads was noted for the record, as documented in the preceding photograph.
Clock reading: 5:59
